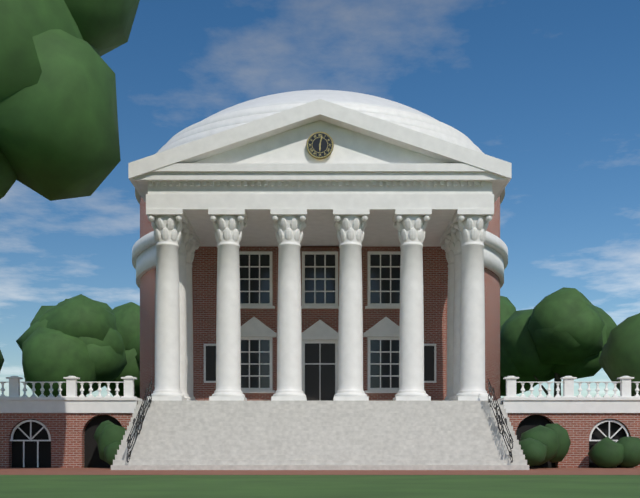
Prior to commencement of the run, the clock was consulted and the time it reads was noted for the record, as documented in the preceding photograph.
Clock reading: 6:02
